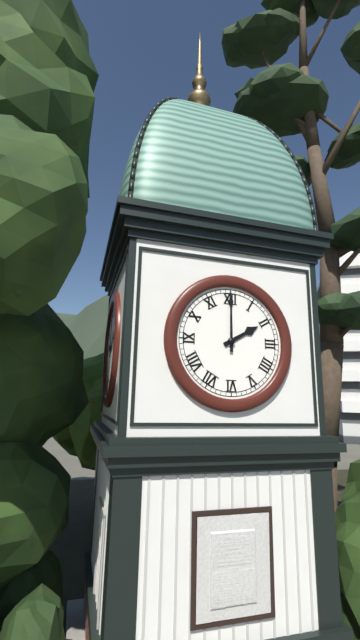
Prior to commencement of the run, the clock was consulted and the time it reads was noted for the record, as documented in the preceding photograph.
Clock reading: 2:00
